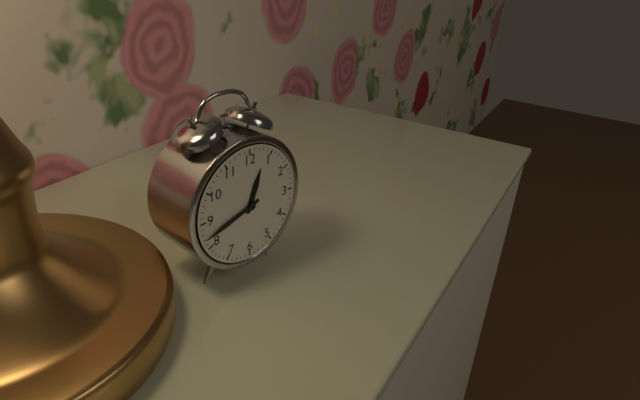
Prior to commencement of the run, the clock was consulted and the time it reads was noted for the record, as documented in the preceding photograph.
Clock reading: 12:42
